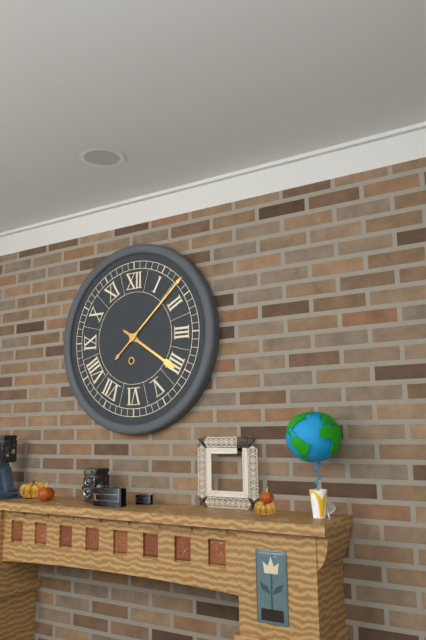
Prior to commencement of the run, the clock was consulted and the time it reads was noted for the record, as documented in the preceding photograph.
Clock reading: 4:08
